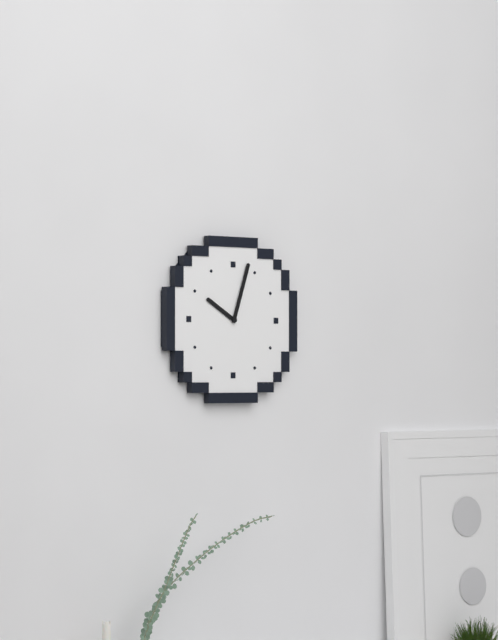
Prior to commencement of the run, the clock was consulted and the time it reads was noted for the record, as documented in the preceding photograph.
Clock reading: 10:03
